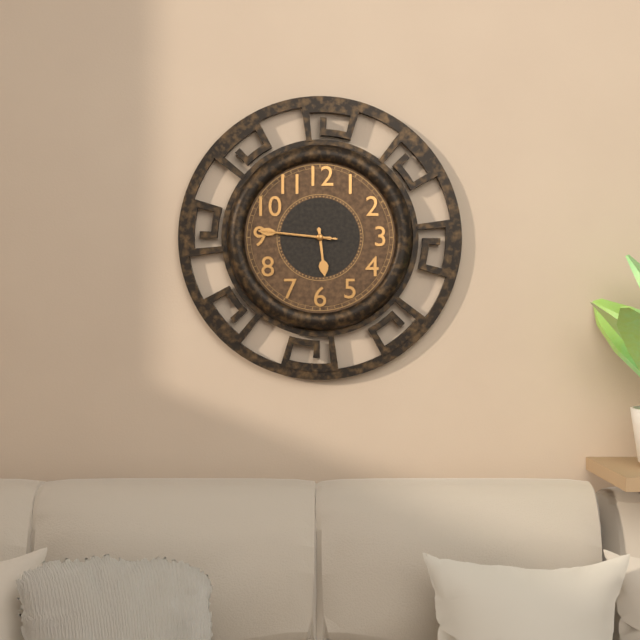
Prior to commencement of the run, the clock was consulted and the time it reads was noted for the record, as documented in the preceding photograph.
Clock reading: 5:46:46
